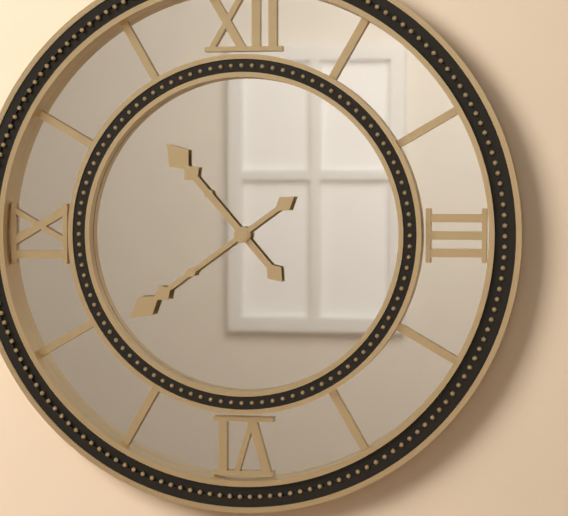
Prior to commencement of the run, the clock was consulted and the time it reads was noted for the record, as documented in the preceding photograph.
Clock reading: 10:39
